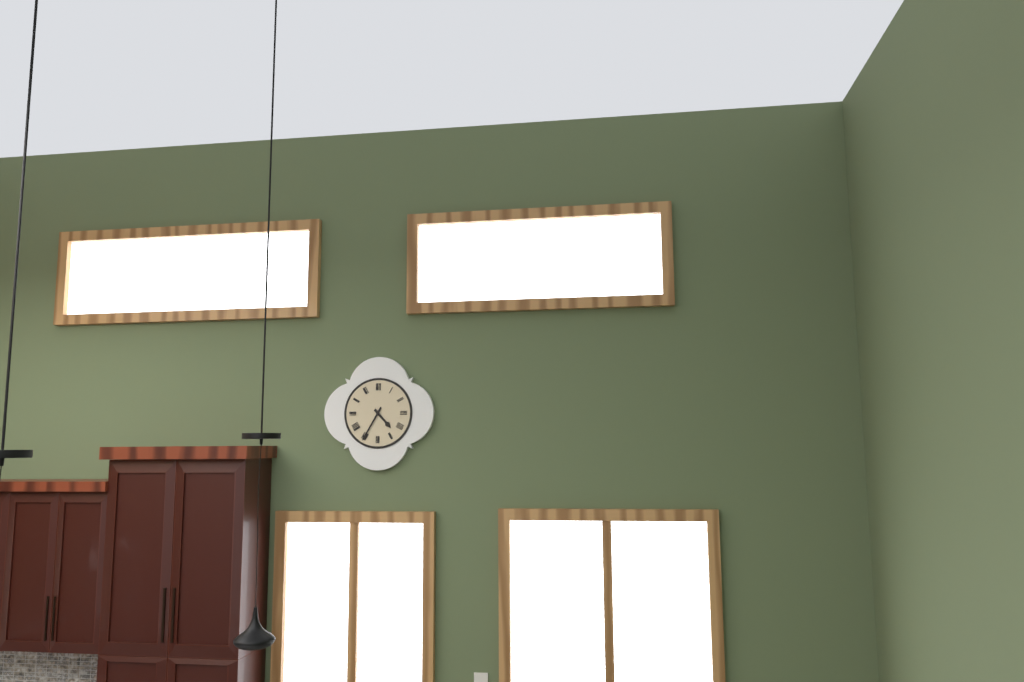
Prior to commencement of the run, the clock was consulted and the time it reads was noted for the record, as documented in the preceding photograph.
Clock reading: 4:35
